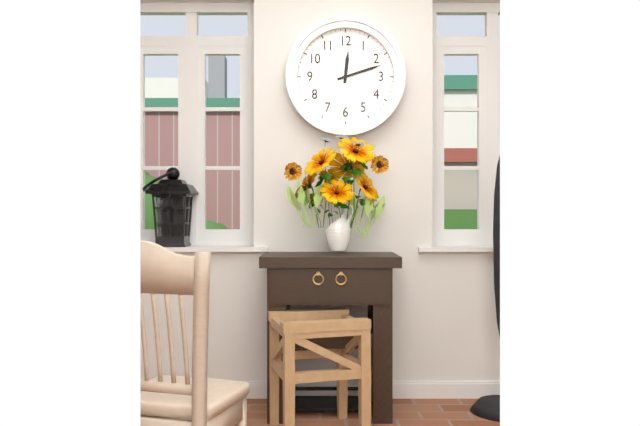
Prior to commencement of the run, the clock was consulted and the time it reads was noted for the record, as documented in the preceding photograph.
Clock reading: 12:12
